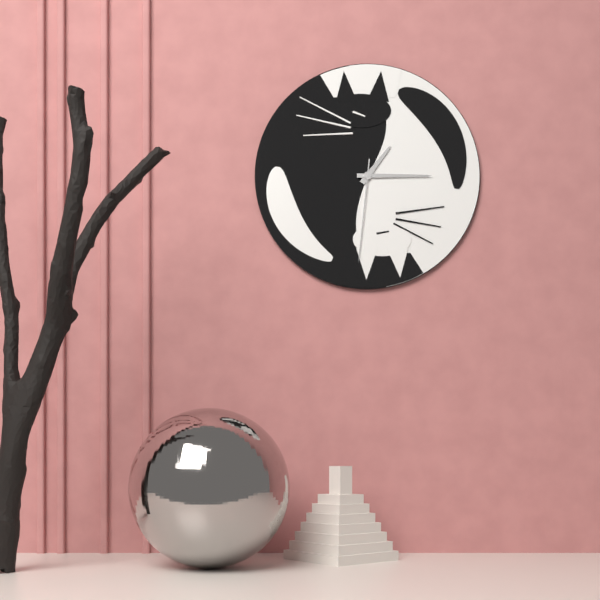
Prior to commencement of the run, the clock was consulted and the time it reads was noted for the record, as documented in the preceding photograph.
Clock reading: 1:15:31
